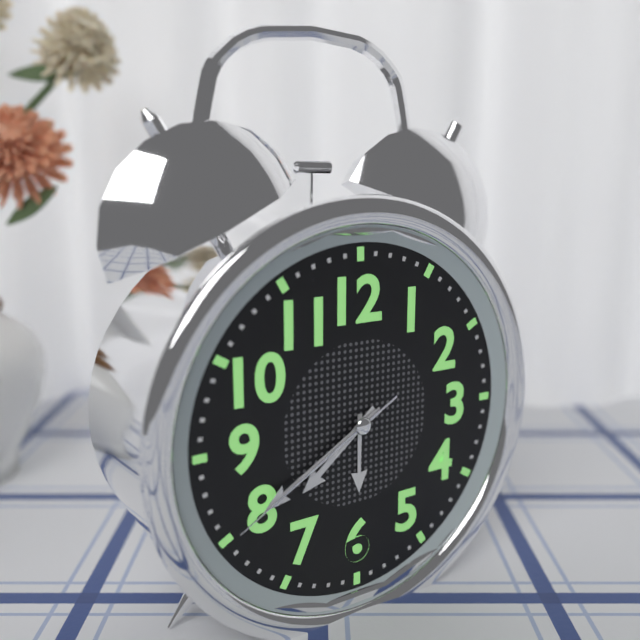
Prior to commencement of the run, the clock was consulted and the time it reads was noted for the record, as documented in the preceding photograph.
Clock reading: 7:40:40
